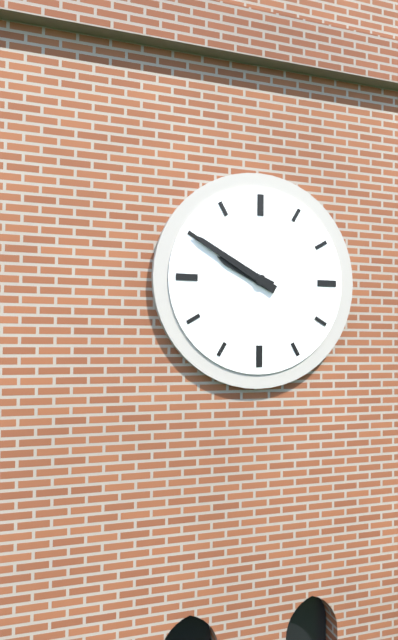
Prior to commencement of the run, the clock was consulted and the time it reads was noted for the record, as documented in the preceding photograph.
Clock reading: 9:50
